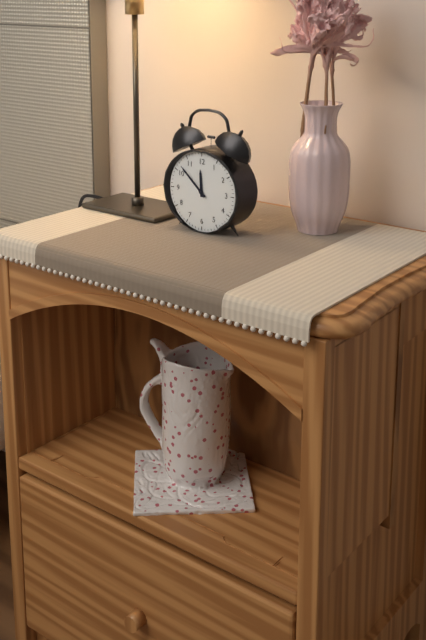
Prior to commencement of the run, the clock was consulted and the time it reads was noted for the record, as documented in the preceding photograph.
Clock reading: 11:52
